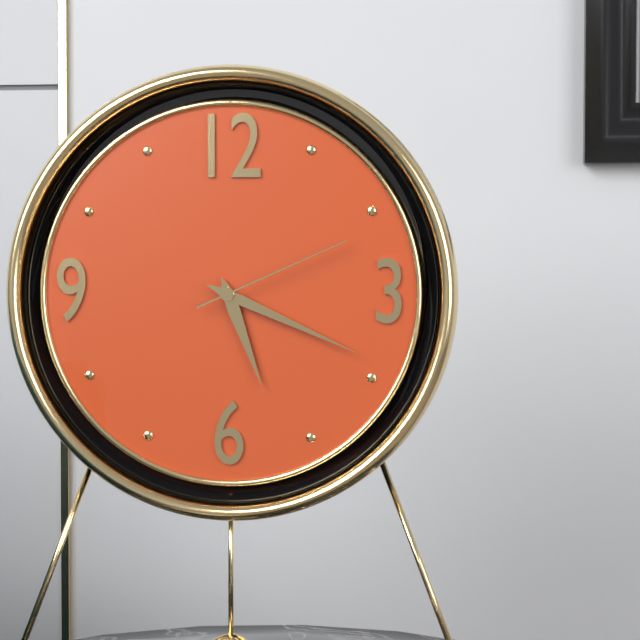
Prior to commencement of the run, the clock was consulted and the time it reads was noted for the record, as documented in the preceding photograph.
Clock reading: 5:19:11
